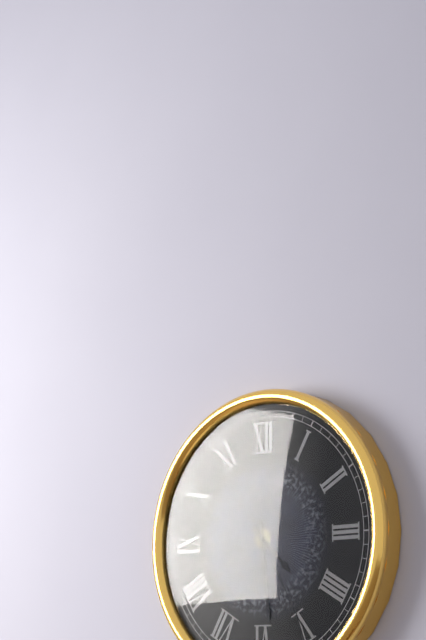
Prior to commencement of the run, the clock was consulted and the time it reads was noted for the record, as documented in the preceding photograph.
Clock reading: 4:29:25
